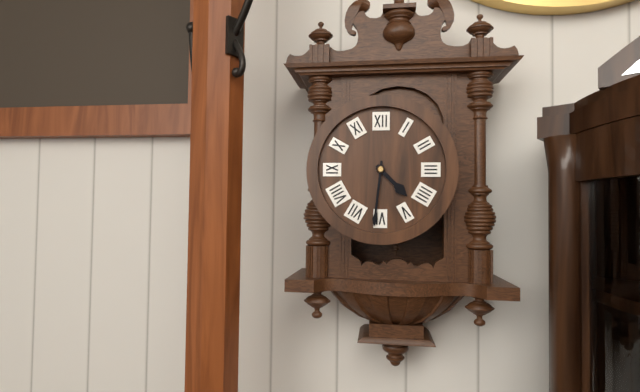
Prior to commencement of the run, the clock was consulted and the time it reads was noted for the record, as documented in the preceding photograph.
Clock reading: 4:31
